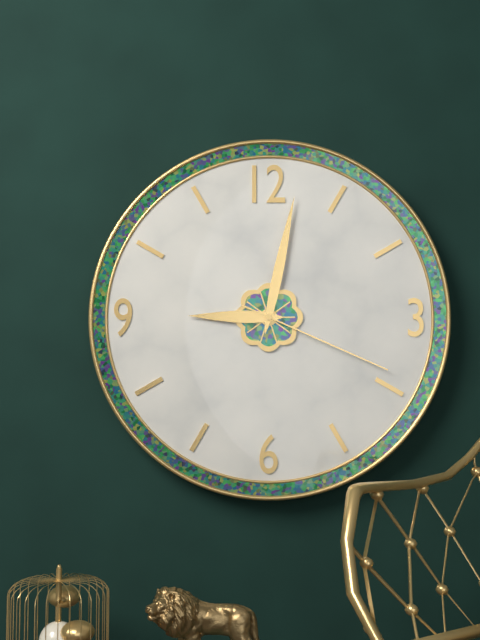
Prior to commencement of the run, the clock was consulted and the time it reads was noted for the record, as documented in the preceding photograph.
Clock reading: 9:02:19
